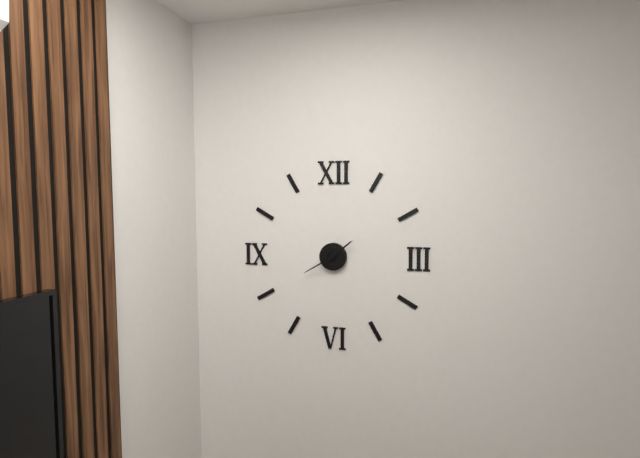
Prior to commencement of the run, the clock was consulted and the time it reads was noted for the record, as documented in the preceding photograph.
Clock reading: 1:40
